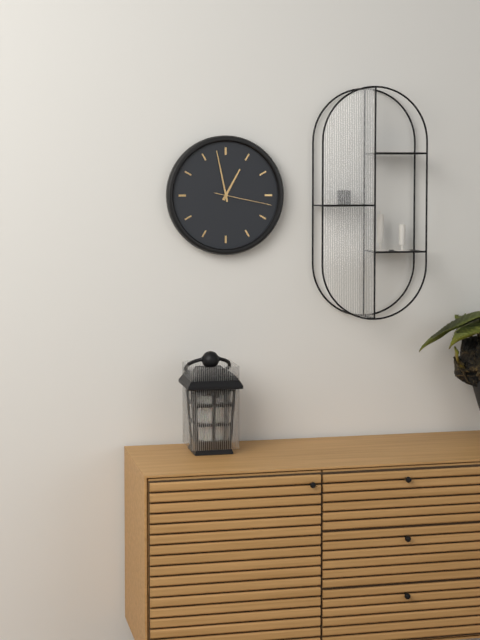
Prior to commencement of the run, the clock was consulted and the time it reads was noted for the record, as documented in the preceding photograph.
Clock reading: 12:58:17
